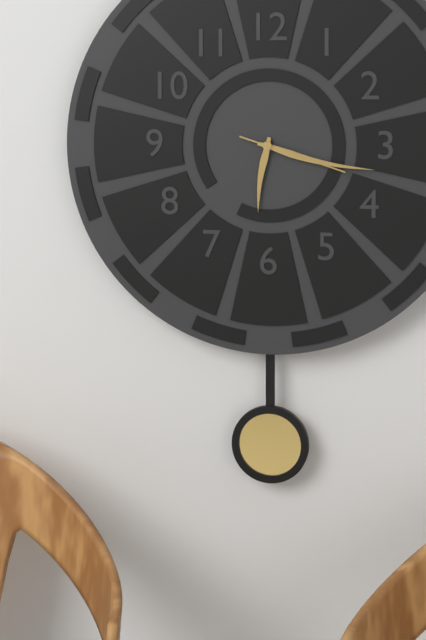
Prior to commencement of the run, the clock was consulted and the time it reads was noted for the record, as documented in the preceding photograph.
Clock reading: 6:17:18
